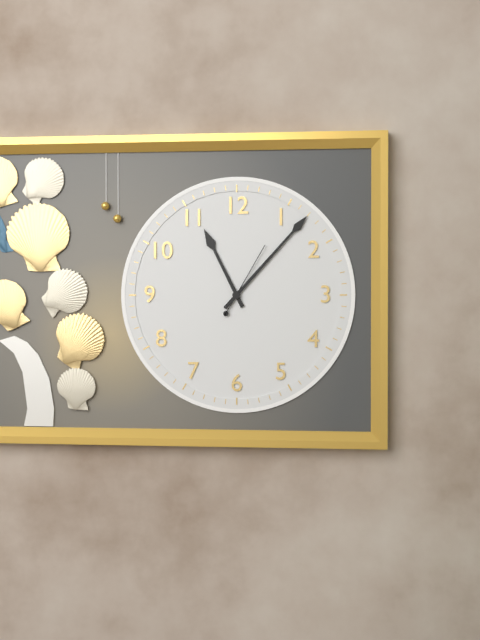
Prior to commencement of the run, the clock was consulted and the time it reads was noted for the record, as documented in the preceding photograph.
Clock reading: 11:07:05
